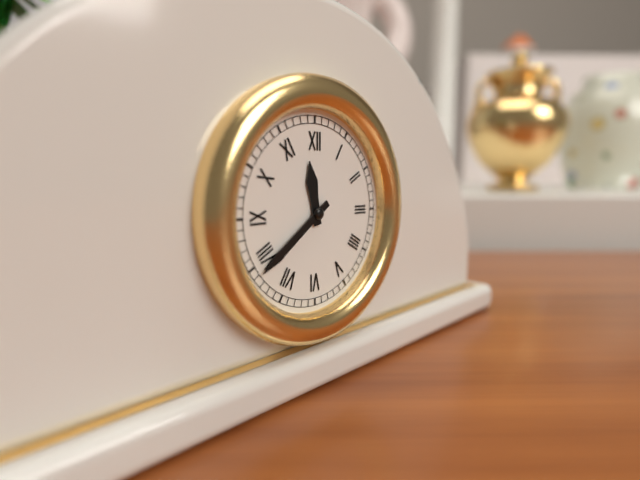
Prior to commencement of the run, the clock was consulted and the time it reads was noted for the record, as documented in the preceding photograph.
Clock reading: 11:39
